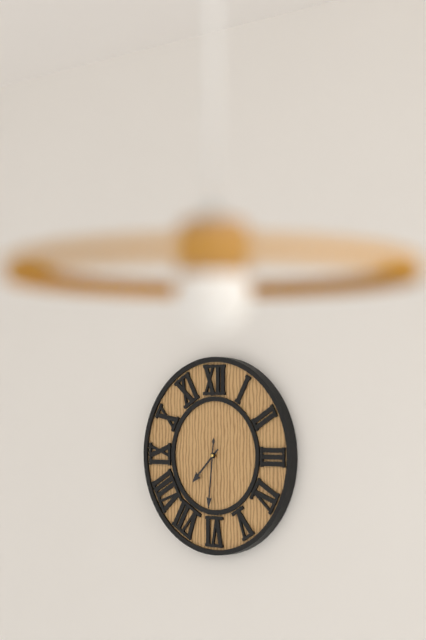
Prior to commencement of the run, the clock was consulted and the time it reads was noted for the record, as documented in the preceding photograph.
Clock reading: 7:31
